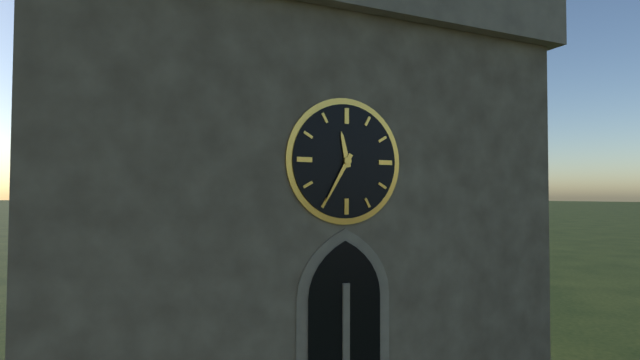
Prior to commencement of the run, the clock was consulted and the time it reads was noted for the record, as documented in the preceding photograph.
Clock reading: 11:35
